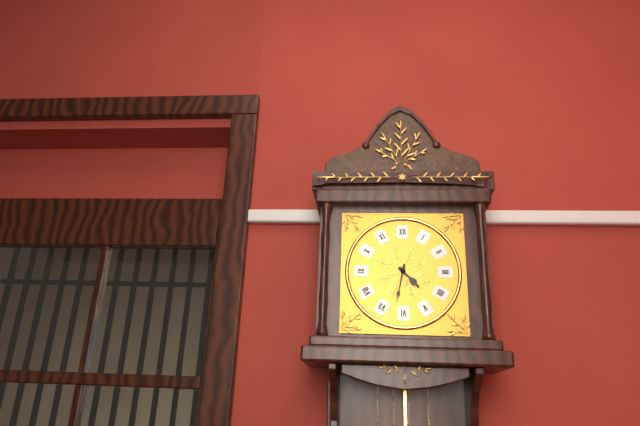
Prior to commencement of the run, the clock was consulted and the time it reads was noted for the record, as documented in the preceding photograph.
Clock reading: 4:32
